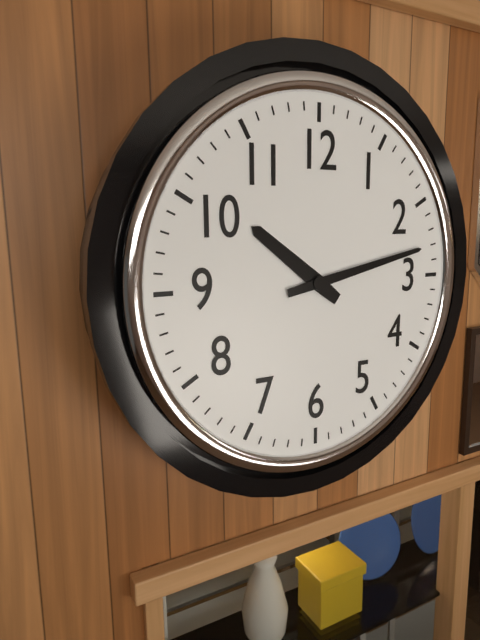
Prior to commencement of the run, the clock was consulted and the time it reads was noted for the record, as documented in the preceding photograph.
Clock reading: 10:13
